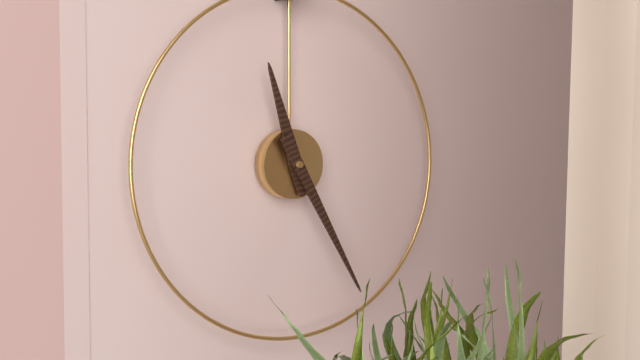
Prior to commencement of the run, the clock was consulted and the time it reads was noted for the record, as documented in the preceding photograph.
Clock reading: 11:25
